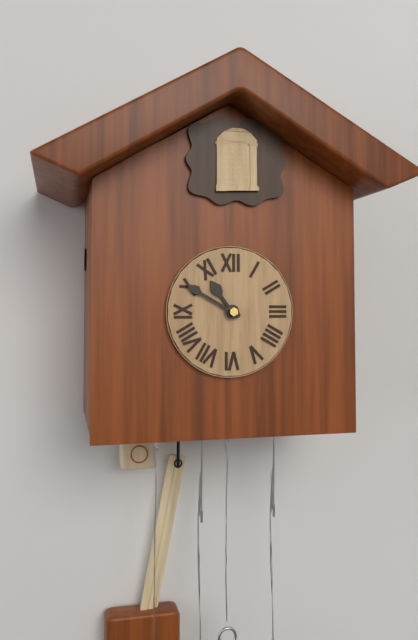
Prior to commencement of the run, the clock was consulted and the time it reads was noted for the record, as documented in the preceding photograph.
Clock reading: 10:50
